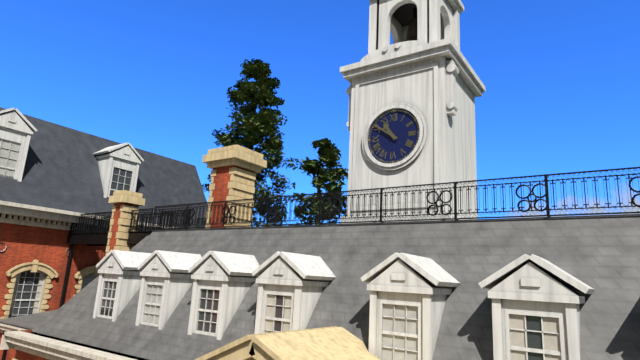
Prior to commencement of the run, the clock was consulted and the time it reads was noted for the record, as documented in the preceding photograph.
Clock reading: 10:51
